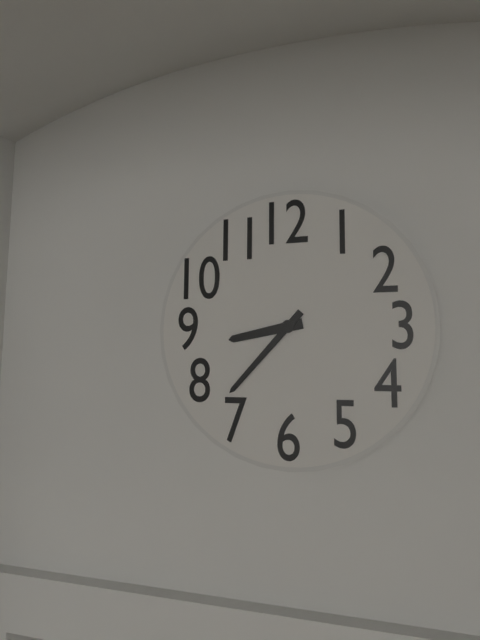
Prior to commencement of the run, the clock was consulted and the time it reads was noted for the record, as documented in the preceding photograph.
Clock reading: 8:37
